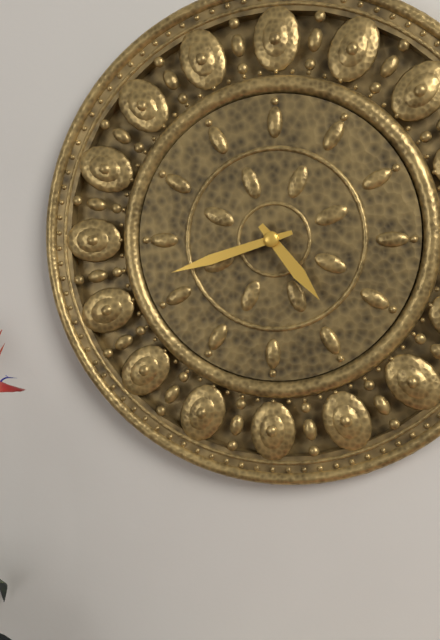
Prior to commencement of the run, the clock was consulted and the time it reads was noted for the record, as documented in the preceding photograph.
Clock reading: 4:42
